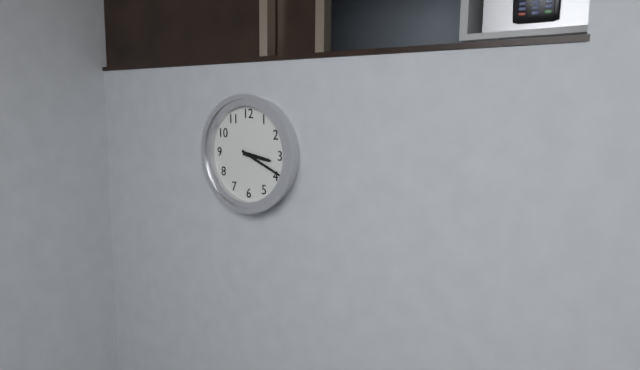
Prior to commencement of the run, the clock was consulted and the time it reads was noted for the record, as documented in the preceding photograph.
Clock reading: 3:19
